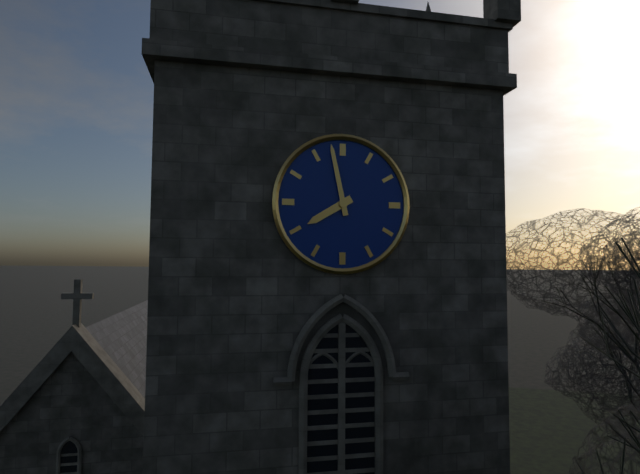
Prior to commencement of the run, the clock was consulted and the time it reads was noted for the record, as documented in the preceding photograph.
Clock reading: 7:58
